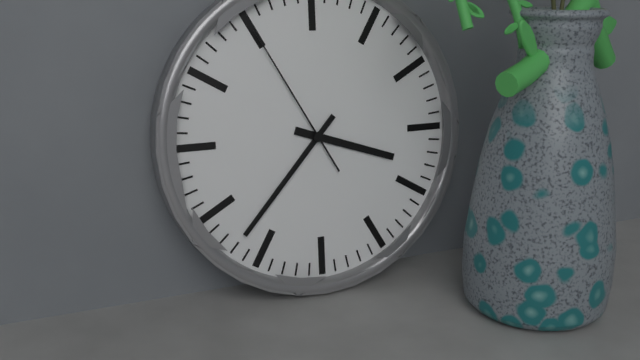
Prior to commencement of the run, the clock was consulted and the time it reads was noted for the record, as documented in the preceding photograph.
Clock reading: 3:37:55
